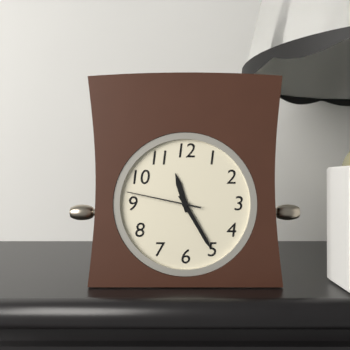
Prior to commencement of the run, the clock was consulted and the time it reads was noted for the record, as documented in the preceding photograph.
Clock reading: 11:25:47
